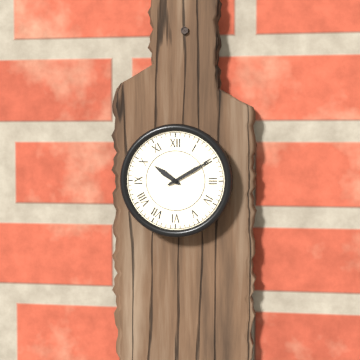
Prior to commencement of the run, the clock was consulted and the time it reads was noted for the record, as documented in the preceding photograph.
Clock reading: 10:10
